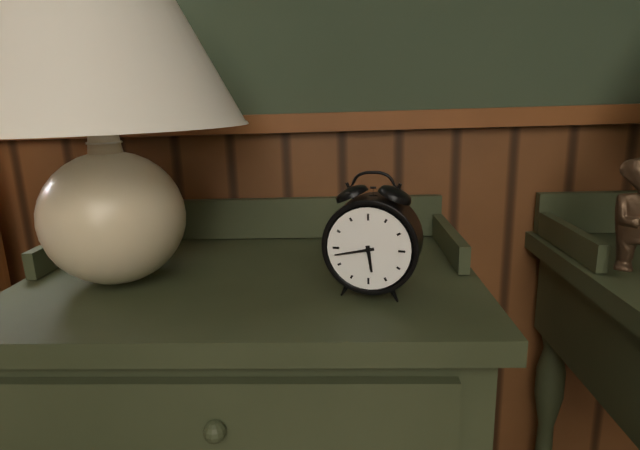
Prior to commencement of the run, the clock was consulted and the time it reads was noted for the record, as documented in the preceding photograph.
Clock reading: 5:43
